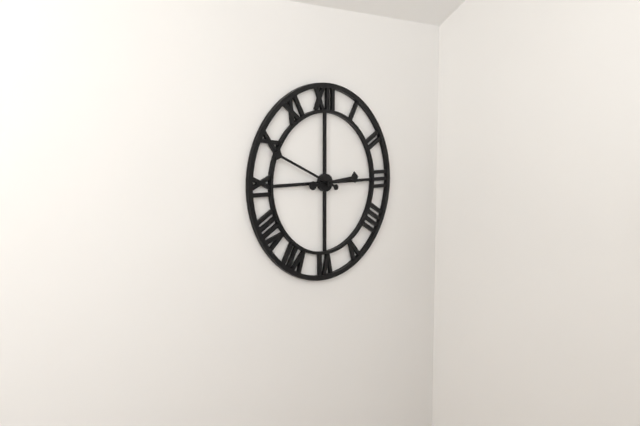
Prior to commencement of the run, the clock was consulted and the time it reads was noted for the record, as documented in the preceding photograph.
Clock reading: 2:49
